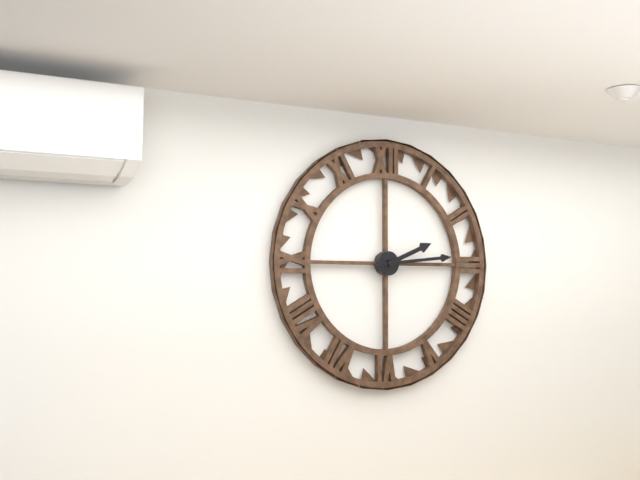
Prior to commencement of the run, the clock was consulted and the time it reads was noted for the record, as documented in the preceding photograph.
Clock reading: 2:14
